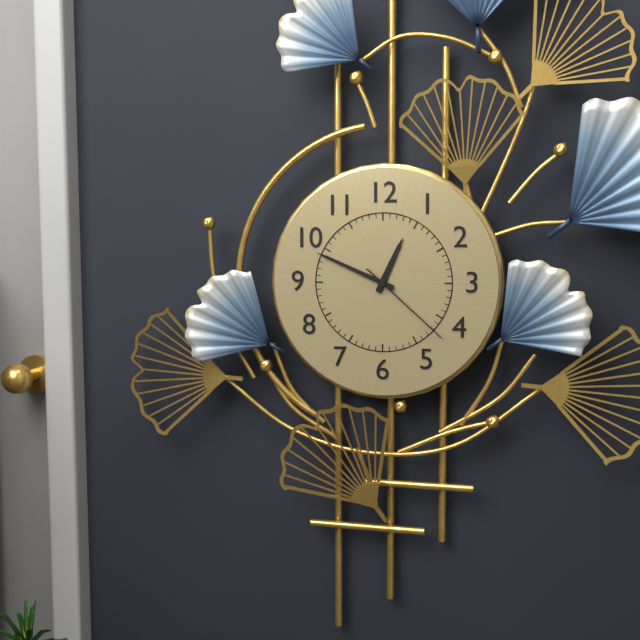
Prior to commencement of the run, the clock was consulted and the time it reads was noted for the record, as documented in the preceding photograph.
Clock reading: 12:49:22
